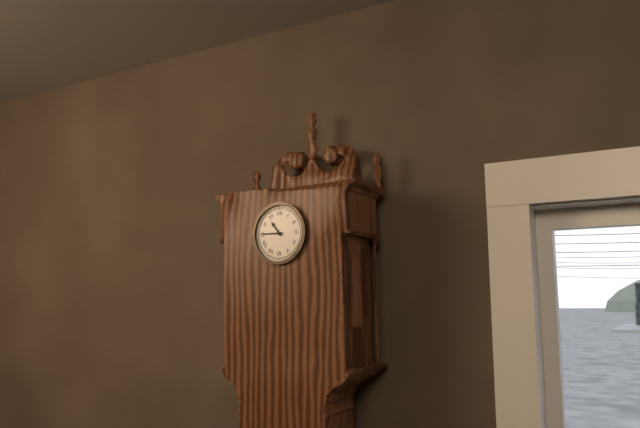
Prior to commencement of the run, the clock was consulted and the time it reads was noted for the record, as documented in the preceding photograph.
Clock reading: 10:45
